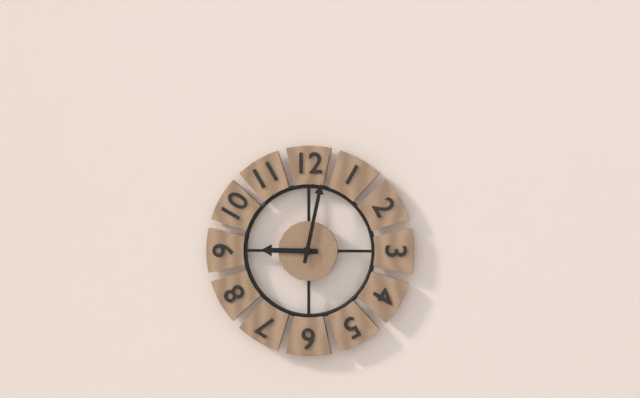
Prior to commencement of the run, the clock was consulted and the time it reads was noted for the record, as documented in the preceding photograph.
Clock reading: 9:02
